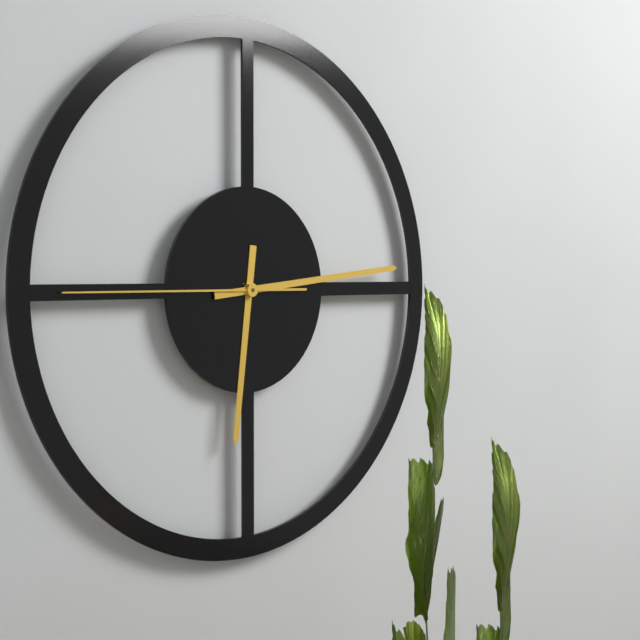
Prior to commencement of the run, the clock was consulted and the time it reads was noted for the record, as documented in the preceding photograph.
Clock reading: 6:14:45
